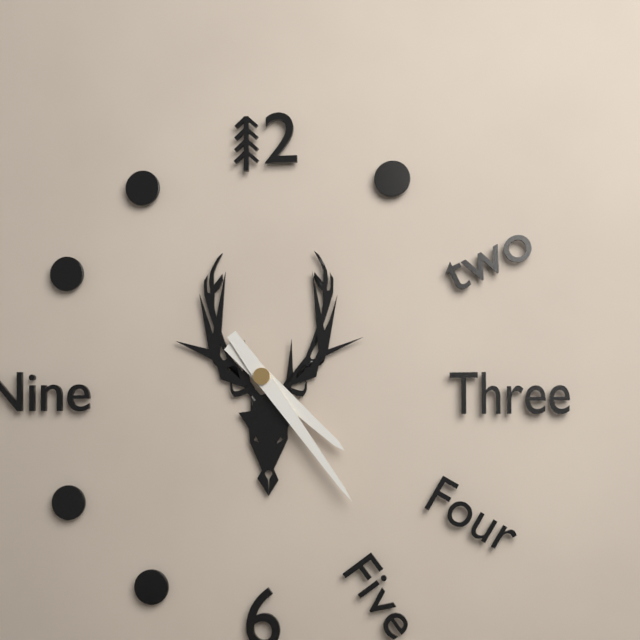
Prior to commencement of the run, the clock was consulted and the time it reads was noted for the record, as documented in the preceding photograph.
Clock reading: 4:24
